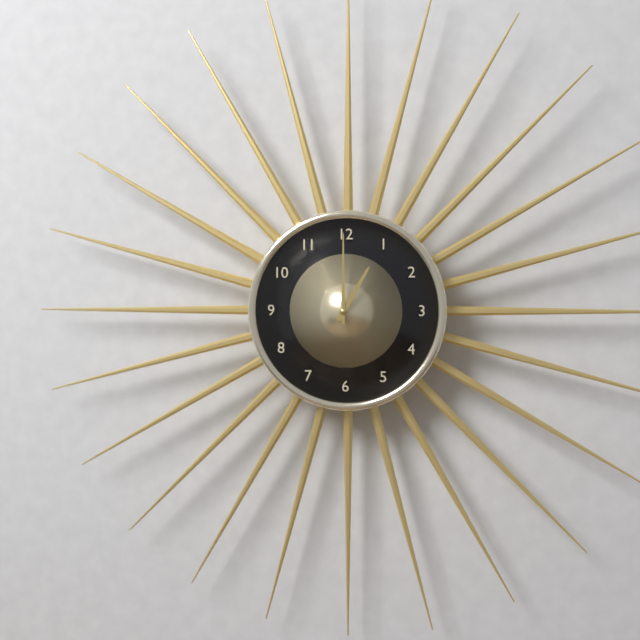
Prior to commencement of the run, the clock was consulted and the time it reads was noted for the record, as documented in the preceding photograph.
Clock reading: 1:00
